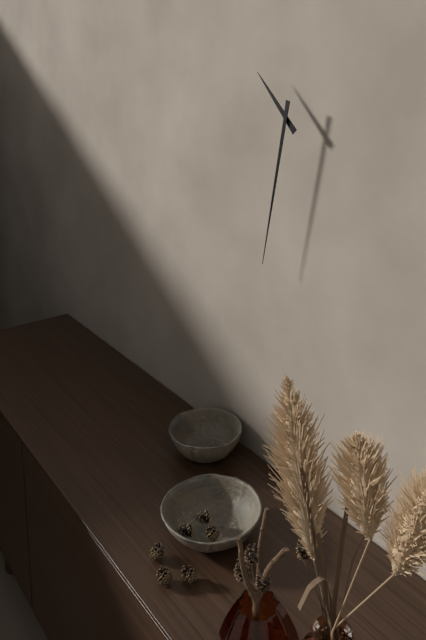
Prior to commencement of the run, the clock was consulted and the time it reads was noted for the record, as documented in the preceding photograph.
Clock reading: 10:32
